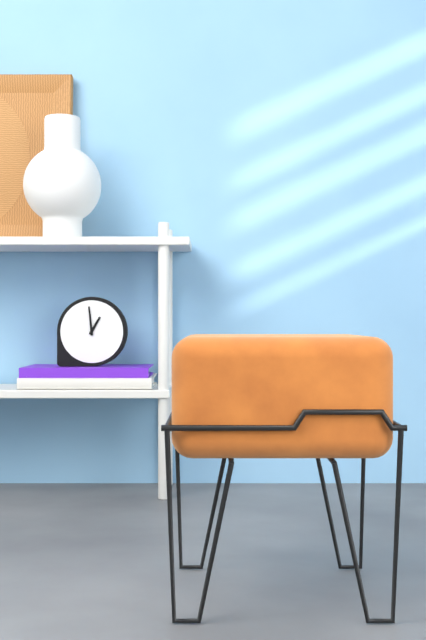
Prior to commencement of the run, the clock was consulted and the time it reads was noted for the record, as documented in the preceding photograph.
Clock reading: 12:59
